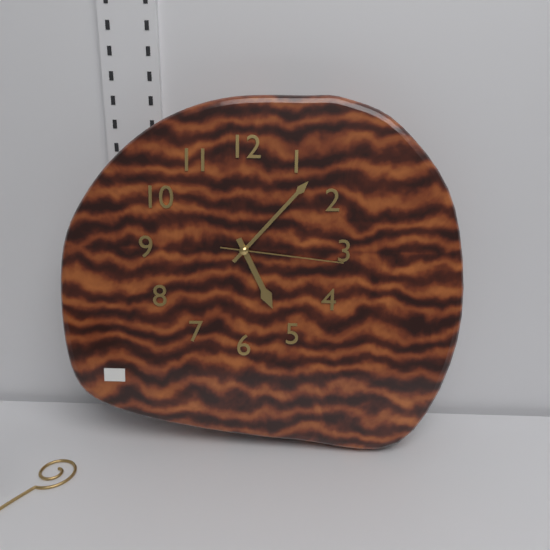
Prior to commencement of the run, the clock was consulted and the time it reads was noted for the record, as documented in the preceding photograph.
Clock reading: 5:07:16
